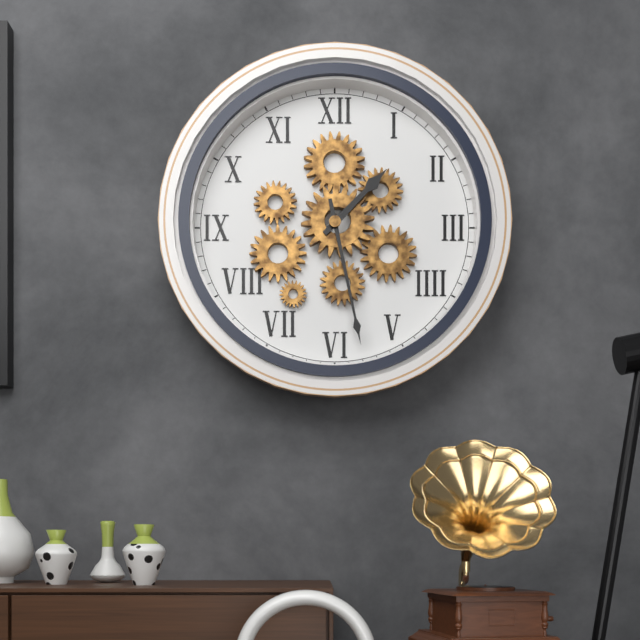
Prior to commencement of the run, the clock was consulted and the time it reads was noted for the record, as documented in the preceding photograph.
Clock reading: 1:28
